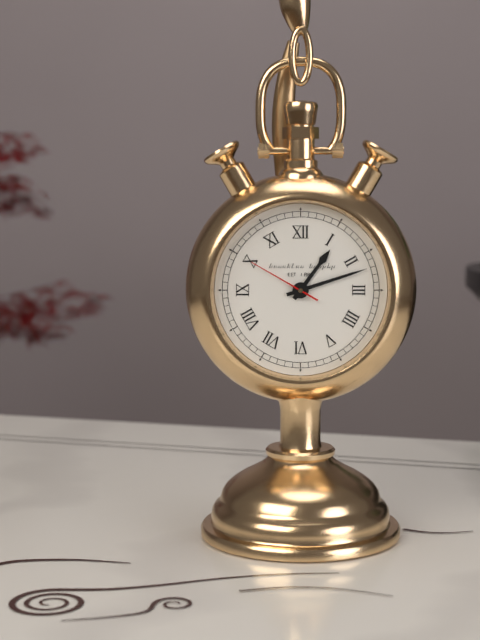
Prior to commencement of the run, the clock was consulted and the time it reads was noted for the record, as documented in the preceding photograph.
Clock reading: 1:12:50
